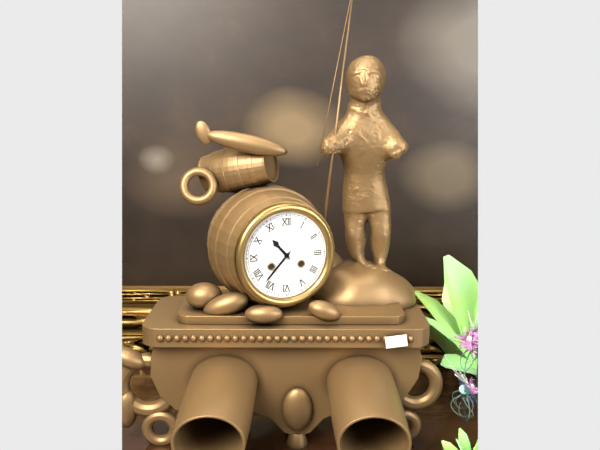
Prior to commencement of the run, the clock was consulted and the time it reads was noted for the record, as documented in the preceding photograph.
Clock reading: 10:37
